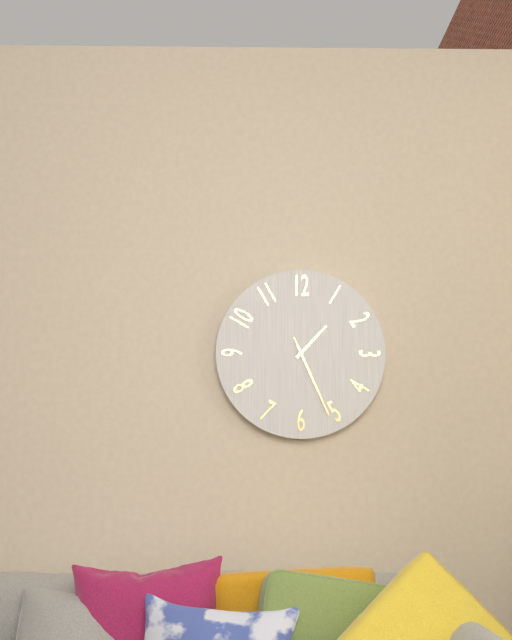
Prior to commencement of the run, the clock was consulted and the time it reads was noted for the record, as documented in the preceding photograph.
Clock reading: 1:26:26
